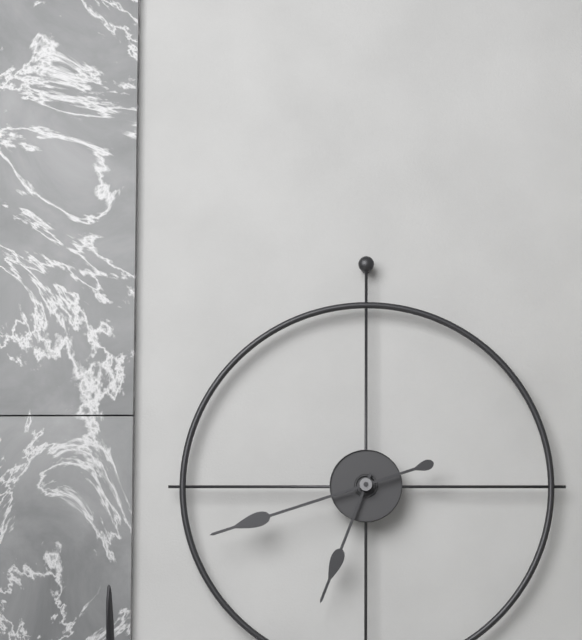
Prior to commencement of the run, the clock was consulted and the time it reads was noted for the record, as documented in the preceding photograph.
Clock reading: 6:42
